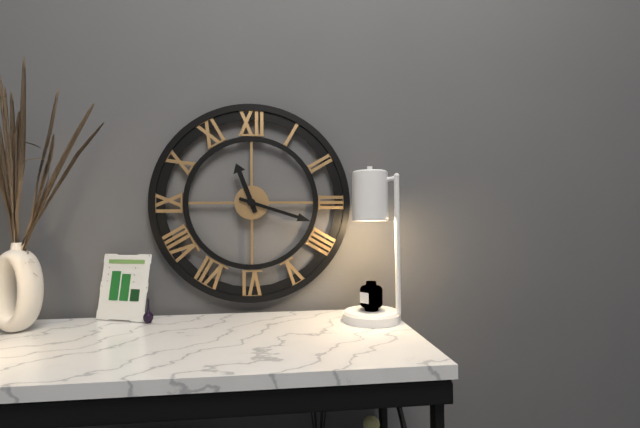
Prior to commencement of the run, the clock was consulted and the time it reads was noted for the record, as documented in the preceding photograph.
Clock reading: 11:18
